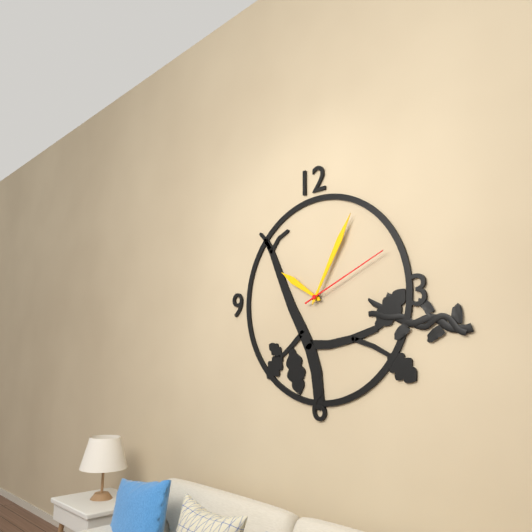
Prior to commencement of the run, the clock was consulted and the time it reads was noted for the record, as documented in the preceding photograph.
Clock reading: 10:05:11
